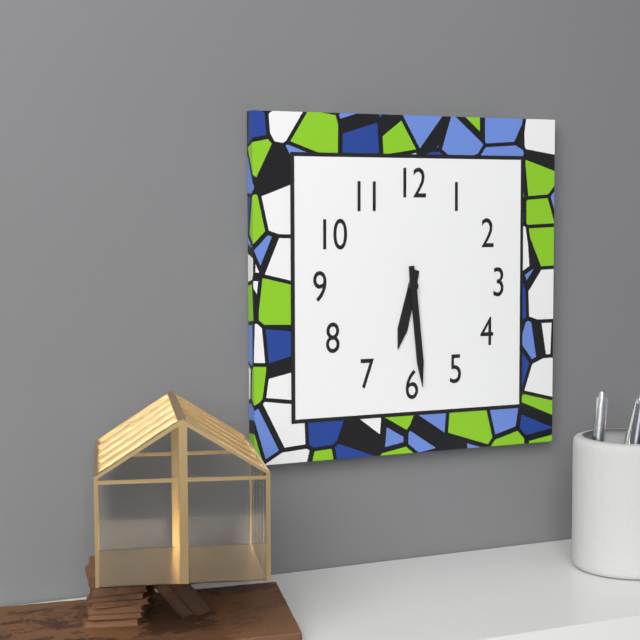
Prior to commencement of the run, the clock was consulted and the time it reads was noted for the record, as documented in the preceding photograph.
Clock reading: 6:29
